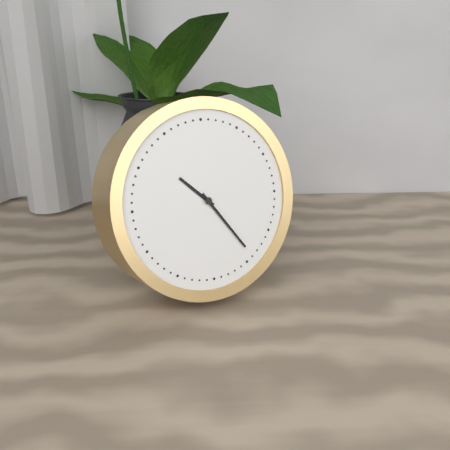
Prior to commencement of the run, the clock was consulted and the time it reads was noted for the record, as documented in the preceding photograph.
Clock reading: 10:24
